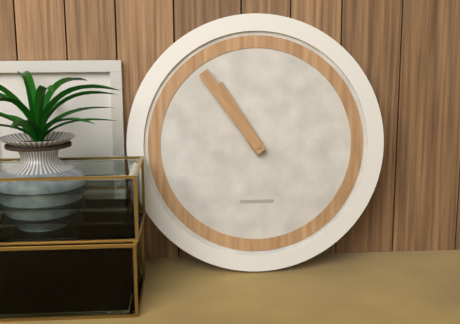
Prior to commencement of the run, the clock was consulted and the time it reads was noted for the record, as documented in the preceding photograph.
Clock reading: 10:54
